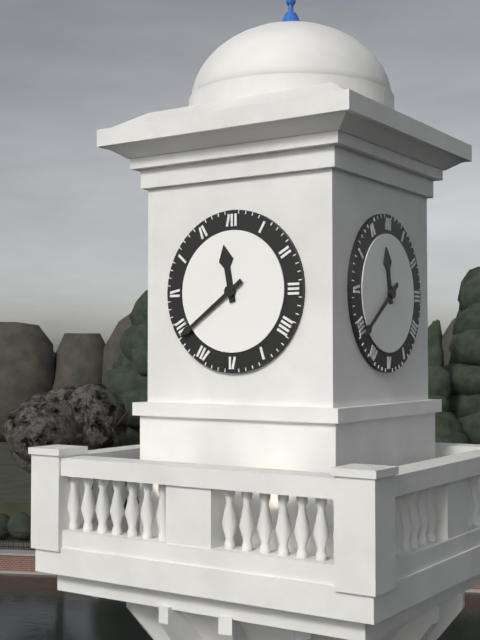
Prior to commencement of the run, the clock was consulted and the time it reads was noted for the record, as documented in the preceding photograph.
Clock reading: 11:39
